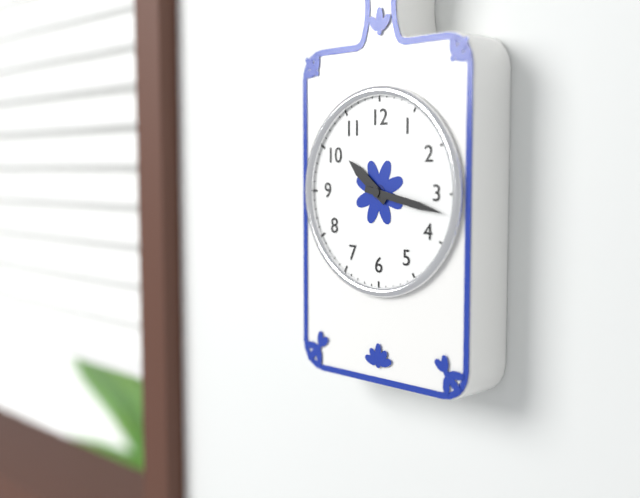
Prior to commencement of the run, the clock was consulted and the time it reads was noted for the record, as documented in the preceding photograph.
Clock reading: 10:17
